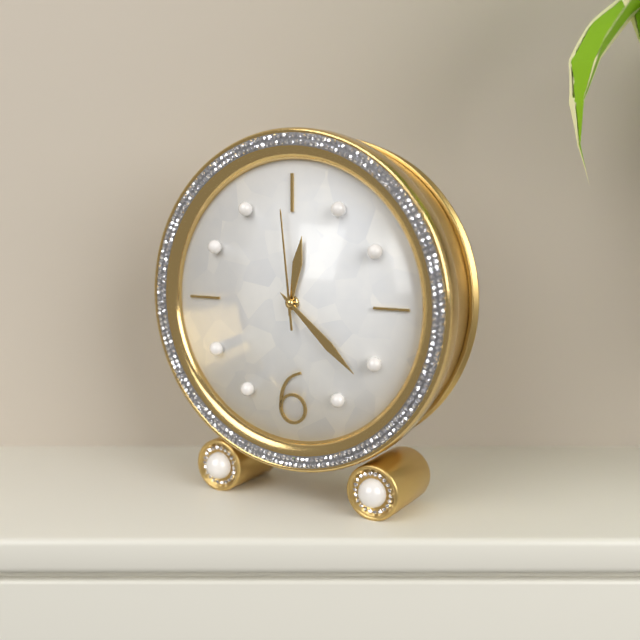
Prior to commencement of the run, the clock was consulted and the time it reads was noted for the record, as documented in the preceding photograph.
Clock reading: 12:22:59
